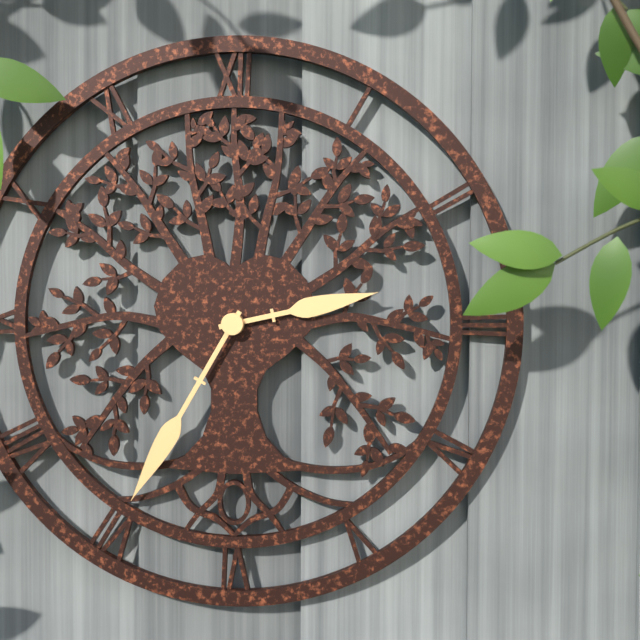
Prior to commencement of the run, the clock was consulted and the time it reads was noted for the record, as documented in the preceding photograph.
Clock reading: 2:35
